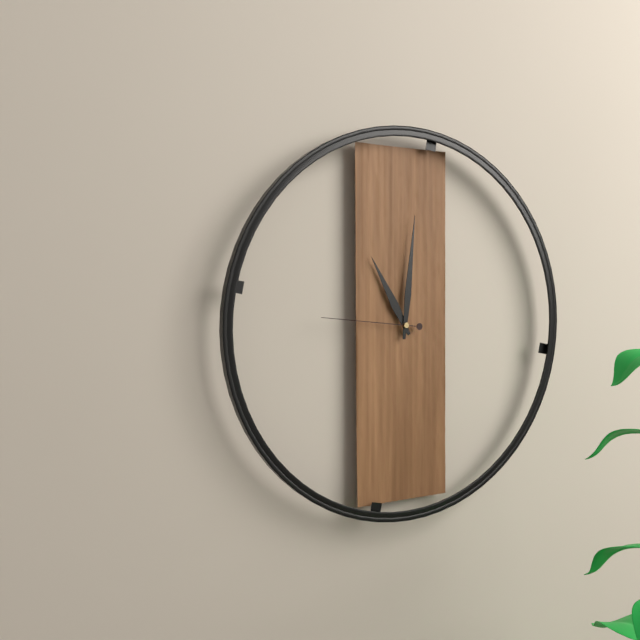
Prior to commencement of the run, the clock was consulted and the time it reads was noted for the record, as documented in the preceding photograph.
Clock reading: 11:01:46
